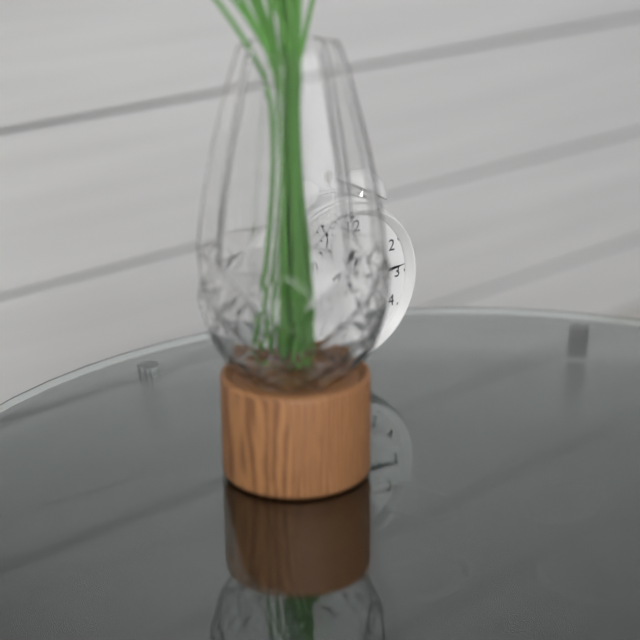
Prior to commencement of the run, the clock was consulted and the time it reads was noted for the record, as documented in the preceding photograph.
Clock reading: 12:14
